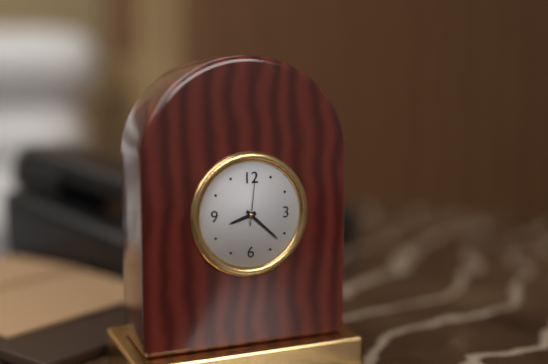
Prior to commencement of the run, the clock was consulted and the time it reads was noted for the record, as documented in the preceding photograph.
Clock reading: 8:22:01
